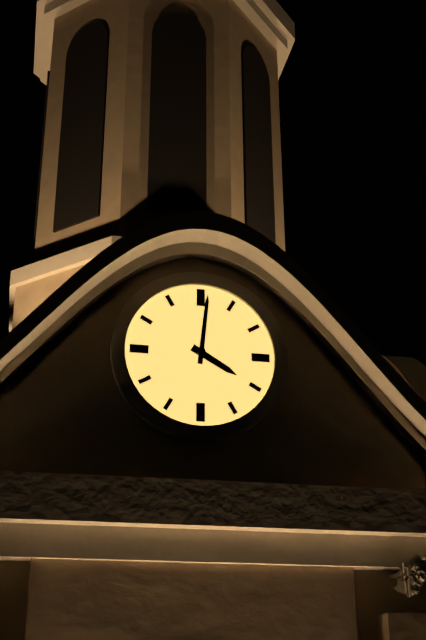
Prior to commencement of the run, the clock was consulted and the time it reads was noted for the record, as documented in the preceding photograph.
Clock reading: 4:01
